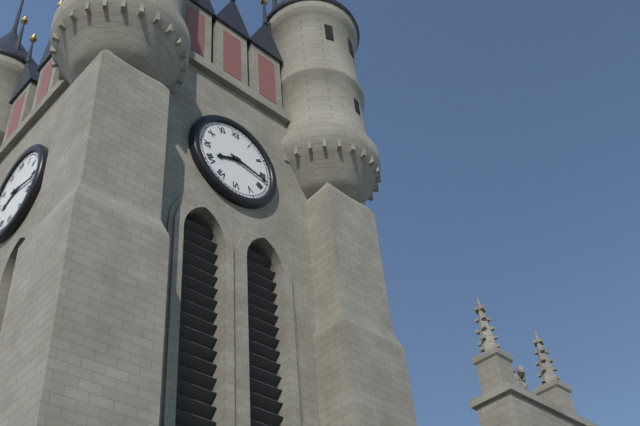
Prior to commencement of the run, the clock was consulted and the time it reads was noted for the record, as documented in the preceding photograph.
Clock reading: 8:17
